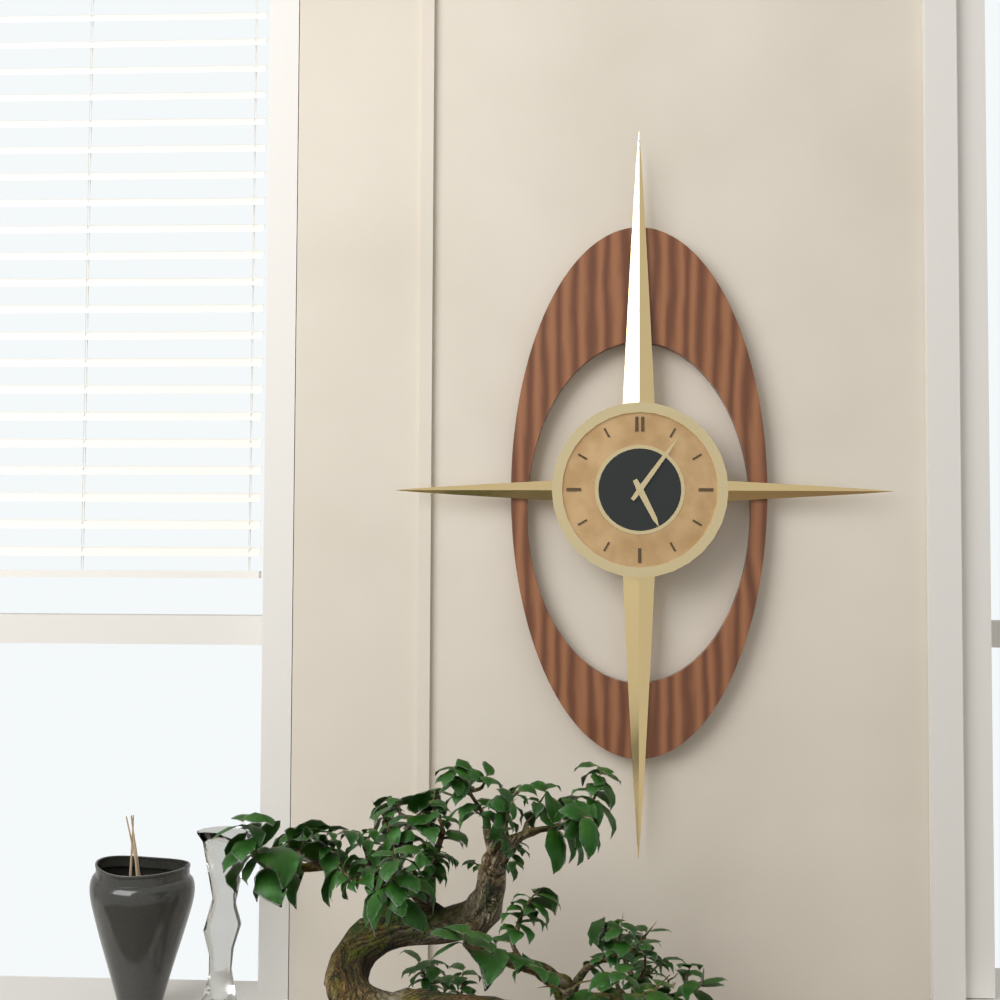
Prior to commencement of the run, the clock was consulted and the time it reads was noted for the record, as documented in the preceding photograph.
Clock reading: 5:06
